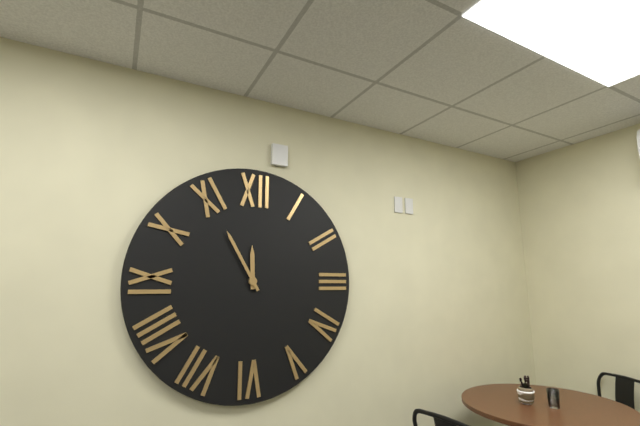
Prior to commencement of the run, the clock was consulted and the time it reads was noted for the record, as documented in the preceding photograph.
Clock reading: 11:55
